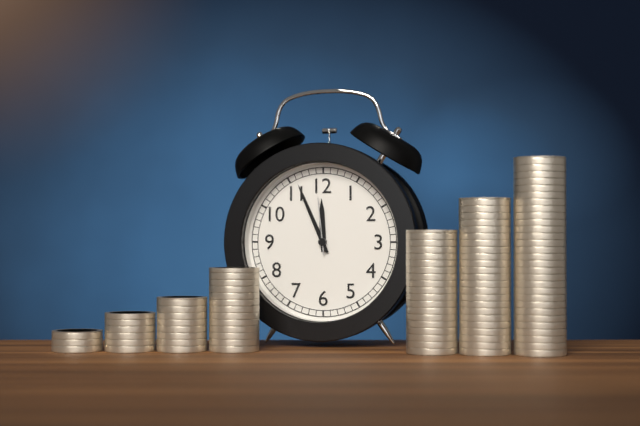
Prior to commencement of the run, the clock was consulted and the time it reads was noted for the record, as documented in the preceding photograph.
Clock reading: 11:56:59
